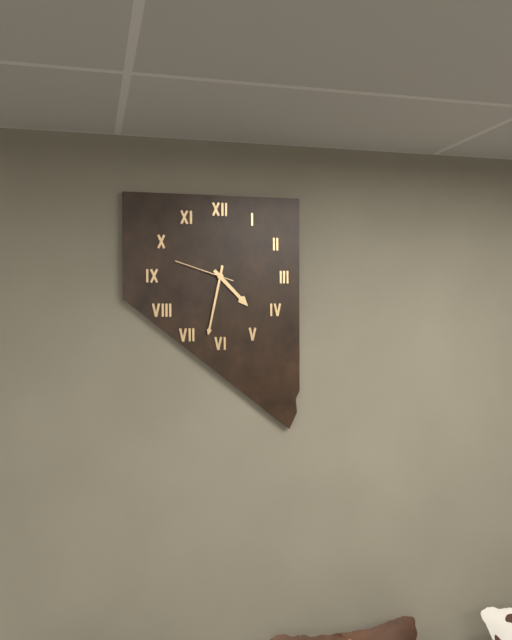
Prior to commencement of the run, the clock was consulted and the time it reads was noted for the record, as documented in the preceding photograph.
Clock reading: 4:32:48
